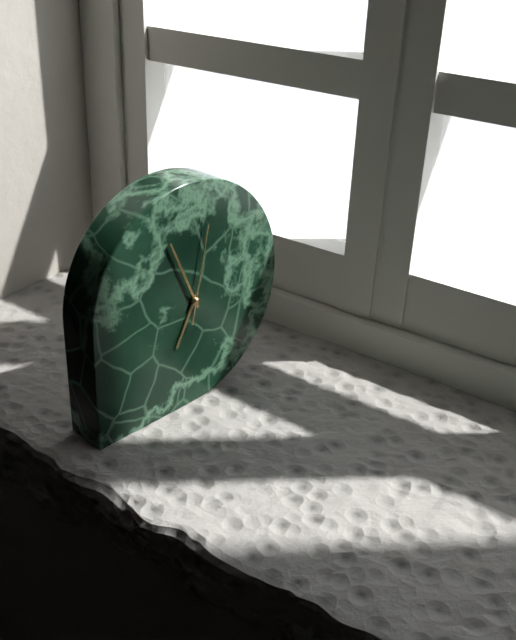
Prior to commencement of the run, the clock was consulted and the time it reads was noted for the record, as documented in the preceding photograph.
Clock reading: 6:56:02
